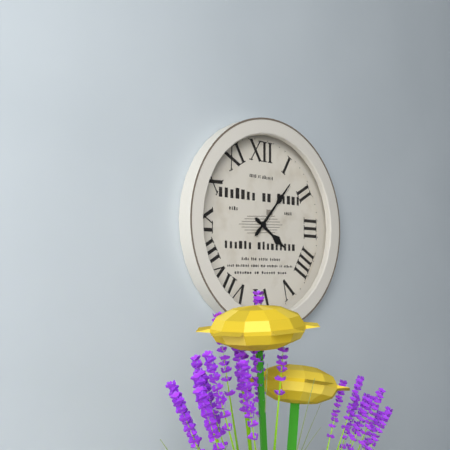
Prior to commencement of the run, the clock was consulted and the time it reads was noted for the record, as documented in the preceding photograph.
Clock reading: 4:07
